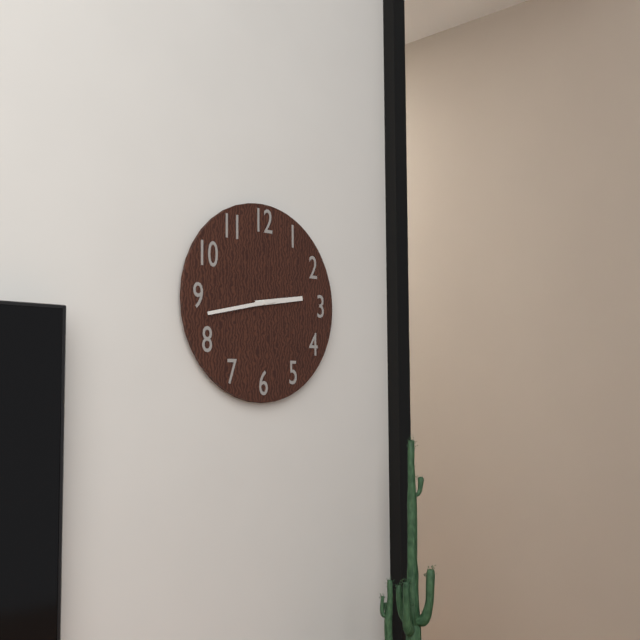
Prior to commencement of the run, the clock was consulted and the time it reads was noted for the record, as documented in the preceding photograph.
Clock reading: 2:43
